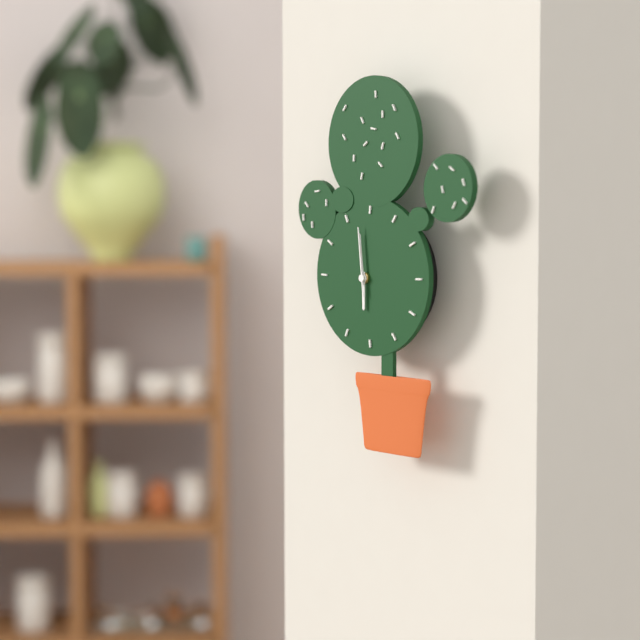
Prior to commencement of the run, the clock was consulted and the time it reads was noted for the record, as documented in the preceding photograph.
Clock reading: 5:59:59
